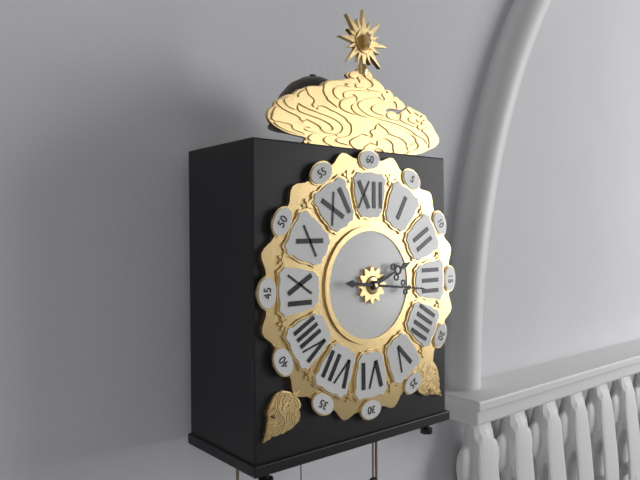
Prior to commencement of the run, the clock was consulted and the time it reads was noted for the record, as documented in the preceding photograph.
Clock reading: 2:16
